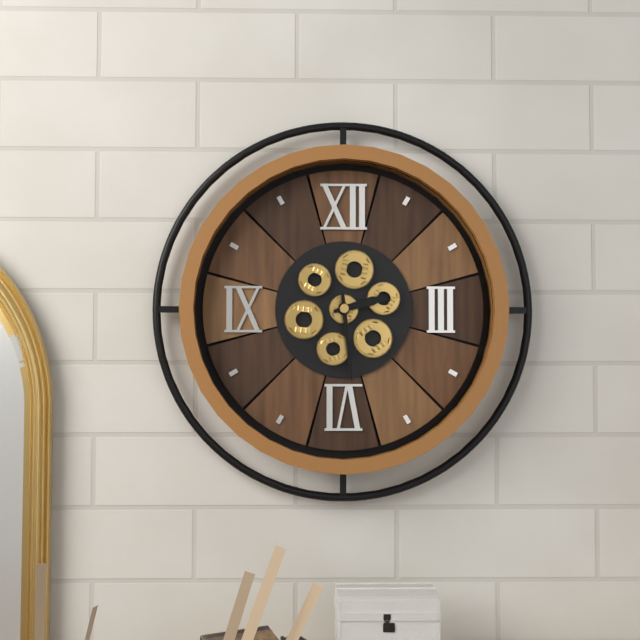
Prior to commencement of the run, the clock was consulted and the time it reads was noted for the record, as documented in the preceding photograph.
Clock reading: 2:29
